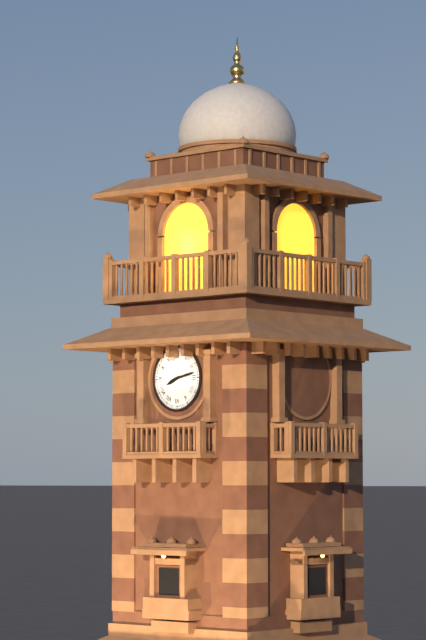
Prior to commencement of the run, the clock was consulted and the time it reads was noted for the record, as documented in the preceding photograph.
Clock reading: 8:13
